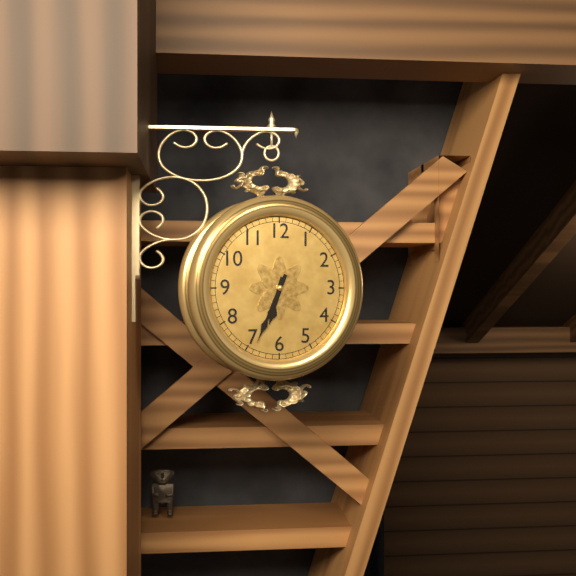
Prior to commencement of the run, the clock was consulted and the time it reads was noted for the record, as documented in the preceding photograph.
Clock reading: 6:34
